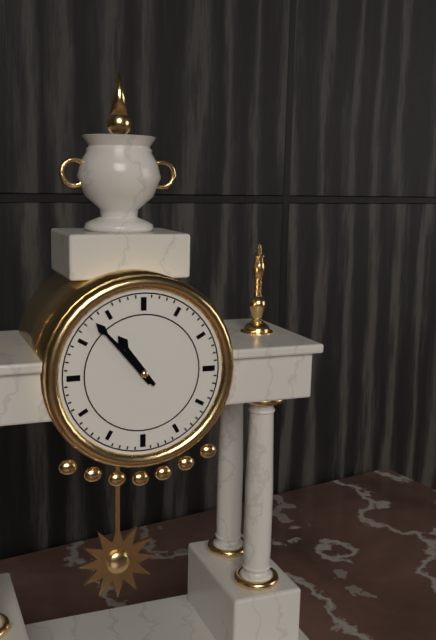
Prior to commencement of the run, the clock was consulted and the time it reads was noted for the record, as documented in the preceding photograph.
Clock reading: 10:53
